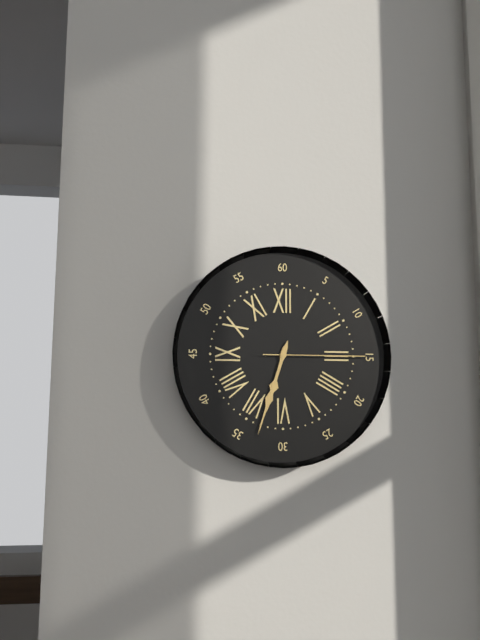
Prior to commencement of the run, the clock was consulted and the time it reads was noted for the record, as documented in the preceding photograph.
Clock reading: 6:33:15
